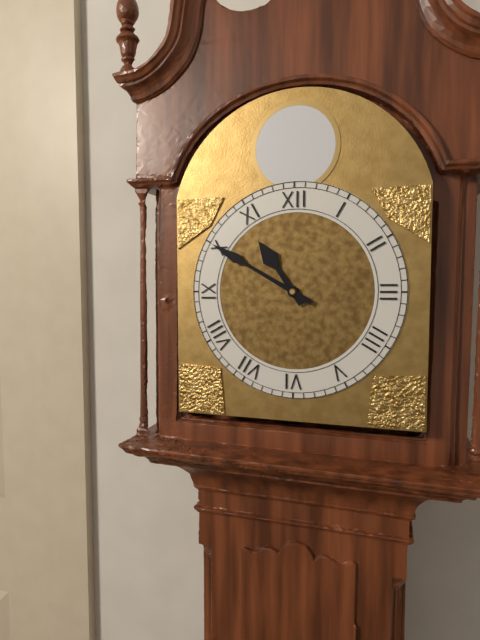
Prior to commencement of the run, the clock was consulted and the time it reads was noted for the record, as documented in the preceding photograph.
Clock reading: 10:50
